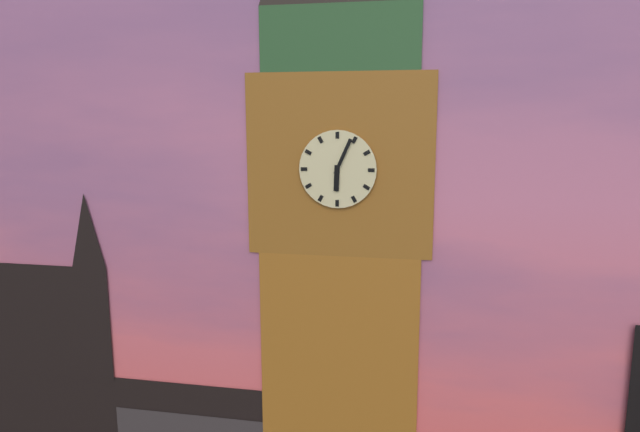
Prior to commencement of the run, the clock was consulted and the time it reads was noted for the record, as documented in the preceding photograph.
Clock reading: 6:04
